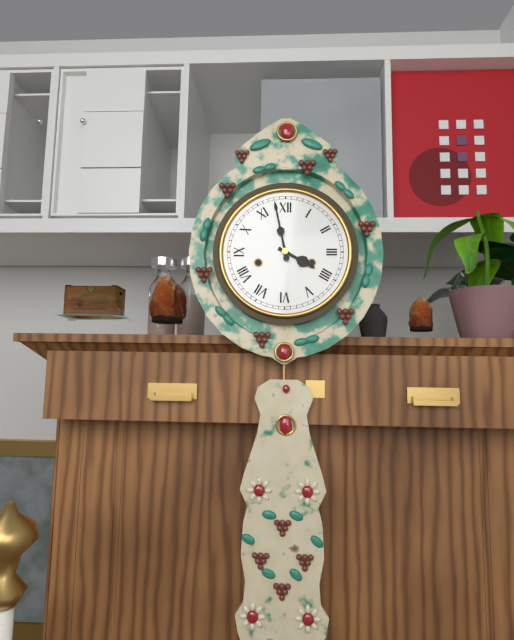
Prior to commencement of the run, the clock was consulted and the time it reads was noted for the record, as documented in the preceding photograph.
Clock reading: 3:58
